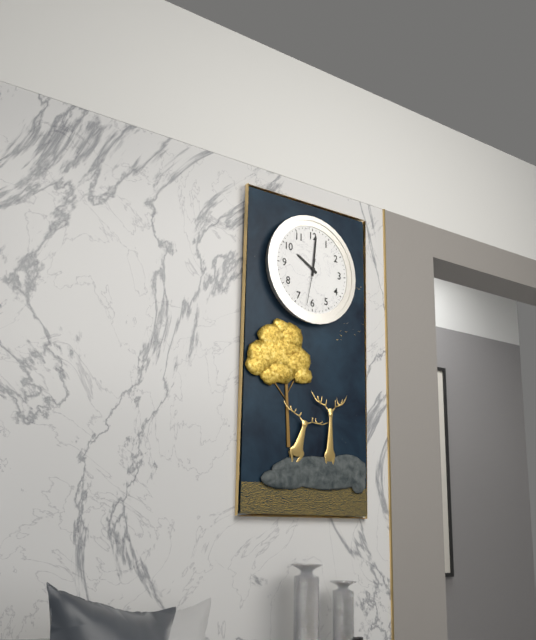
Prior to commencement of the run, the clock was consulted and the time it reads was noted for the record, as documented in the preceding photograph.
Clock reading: 10:01
